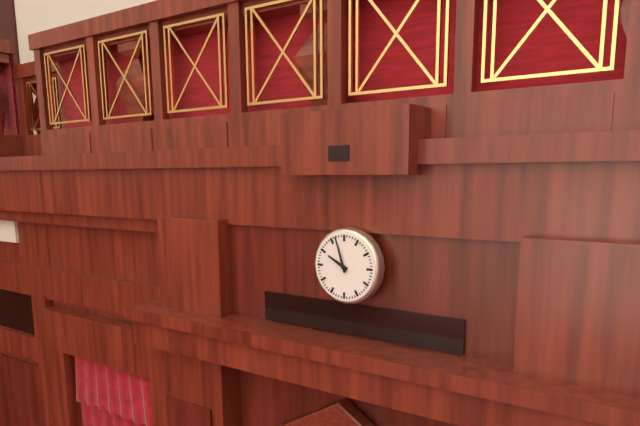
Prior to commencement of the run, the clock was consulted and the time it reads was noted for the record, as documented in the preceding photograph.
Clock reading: 9:57
